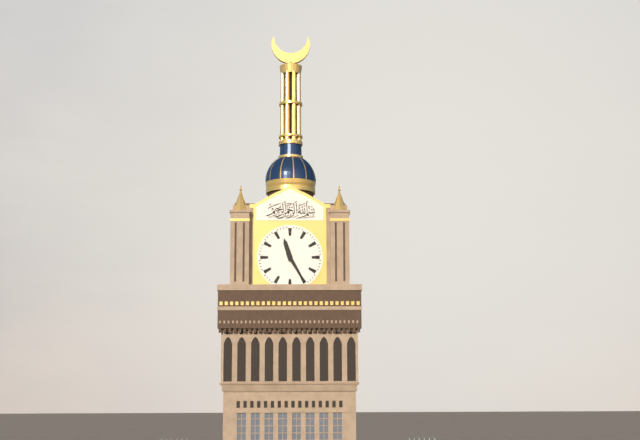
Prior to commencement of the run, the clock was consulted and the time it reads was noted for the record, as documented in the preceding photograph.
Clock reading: 11:25
